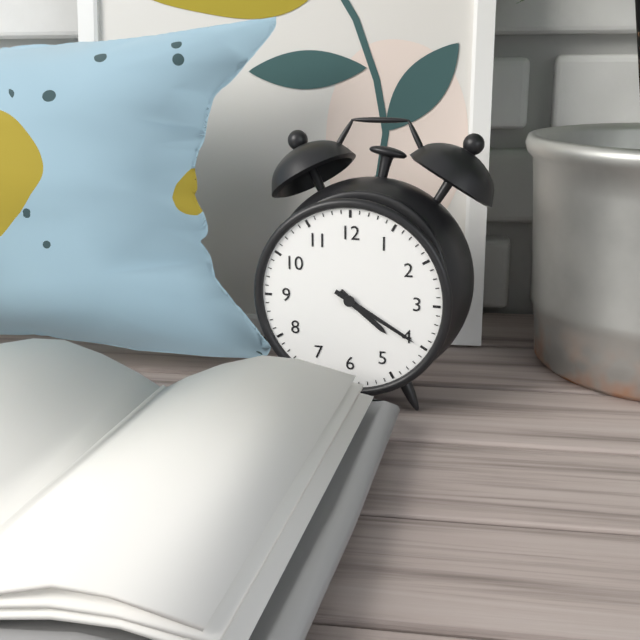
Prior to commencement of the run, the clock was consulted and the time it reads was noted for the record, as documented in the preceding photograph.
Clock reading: 4:20
